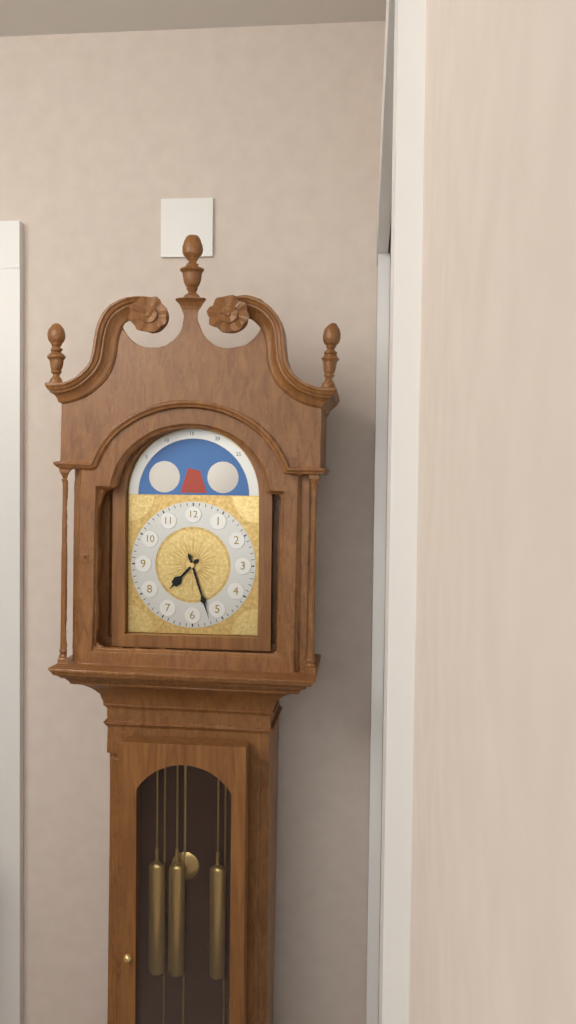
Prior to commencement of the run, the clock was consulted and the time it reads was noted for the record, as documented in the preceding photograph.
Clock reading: 7:27
